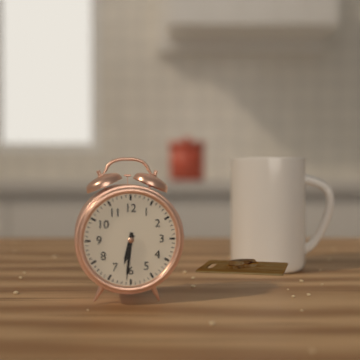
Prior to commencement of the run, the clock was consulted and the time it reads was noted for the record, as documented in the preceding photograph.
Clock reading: 6:31
